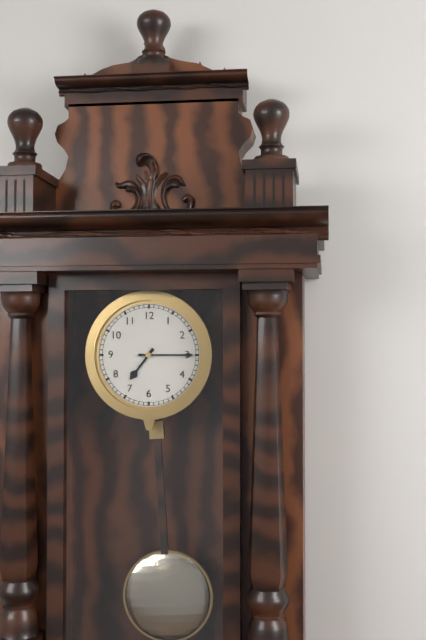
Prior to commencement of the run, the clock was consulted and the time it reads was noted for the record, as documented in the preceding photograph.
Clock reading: 7:15
